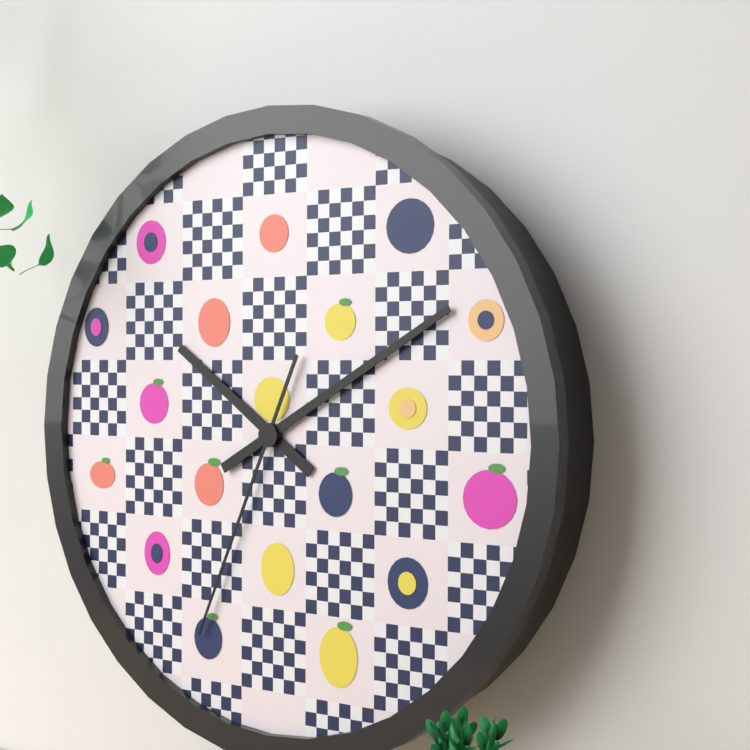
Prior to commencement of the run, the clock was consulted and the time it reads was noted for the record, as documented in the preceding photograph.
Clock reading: 10:10:34
